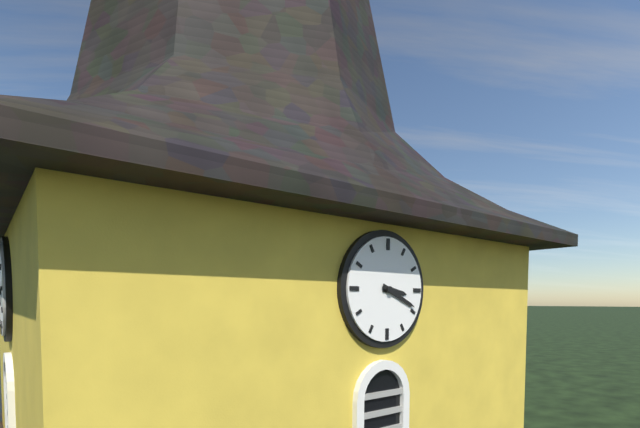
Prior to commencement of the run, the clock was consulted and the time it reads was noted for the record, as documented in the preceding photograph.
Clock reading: 3:19
